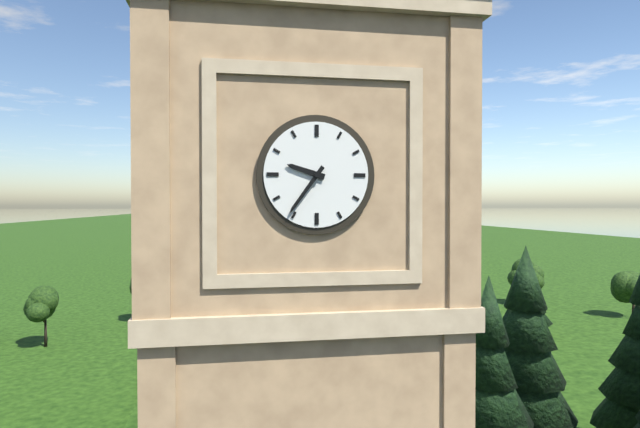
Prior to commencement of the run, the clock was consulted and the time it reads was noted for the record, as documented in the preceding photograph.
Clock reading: 9:36
